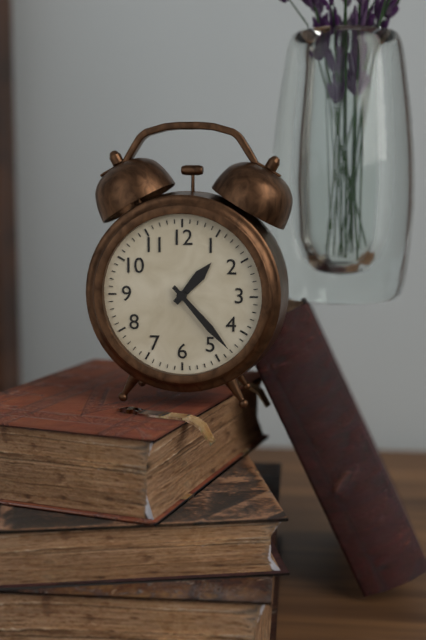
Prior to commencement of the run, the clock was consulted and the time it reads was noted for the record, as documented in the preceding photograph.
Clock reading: 1:23
